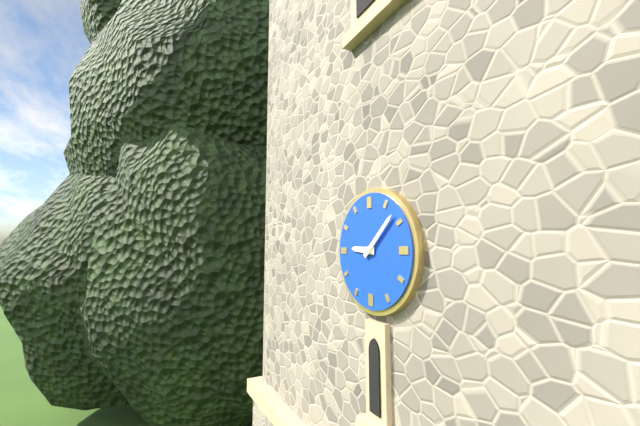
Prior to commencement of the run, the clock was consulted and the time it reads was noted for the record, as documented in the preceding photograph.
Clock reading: 9:08
